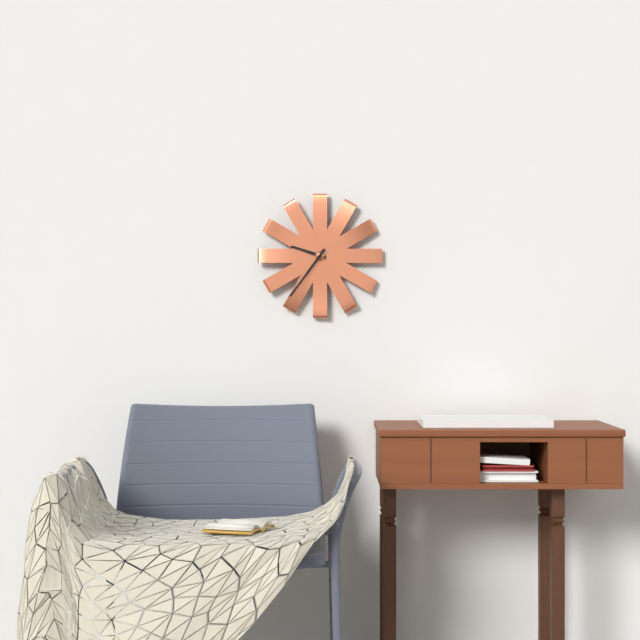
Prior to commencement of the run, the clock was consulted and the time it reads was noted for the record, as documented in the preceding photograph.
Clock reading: 9:36
